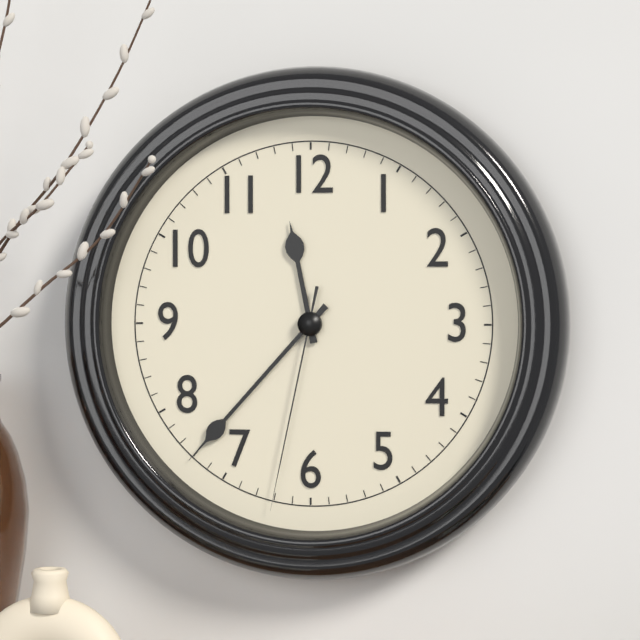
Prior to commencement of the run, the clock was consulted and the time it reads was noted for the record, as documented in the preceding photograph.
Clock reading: 11:37:32
